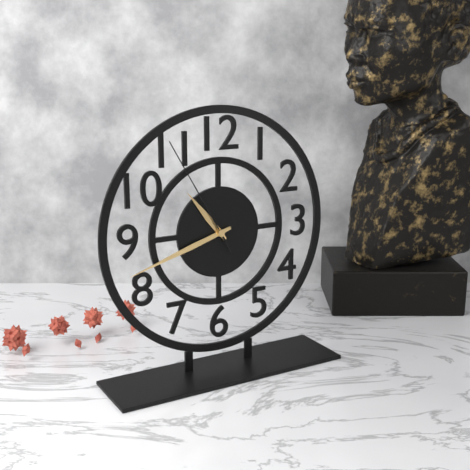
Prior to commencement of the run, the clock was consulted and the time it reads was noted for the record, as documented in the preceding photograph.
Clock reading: 10:42:55
